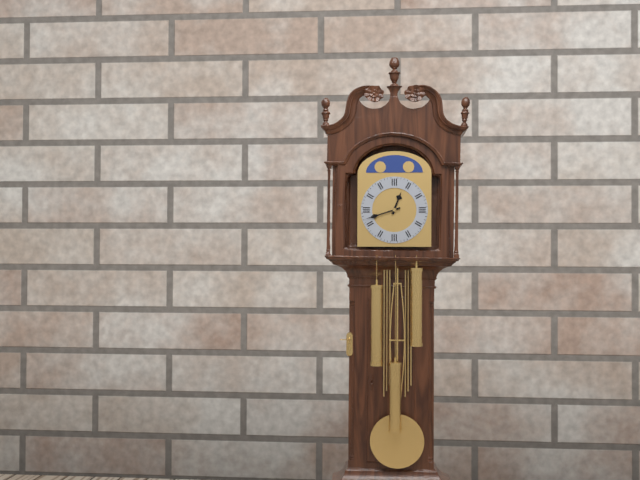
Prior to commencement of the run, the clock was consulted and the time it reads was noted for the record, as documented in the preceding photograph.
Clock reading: 12:42
